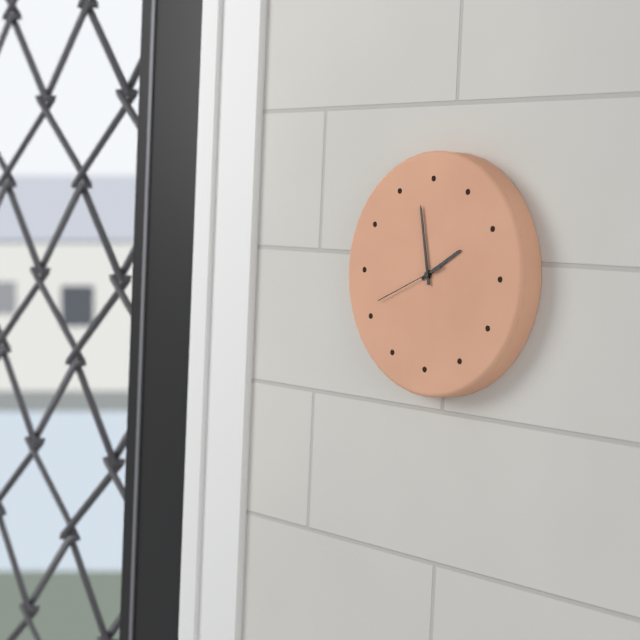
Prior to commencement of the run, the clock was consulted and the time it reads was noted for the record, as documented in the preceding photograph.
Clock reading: 1:58:41
